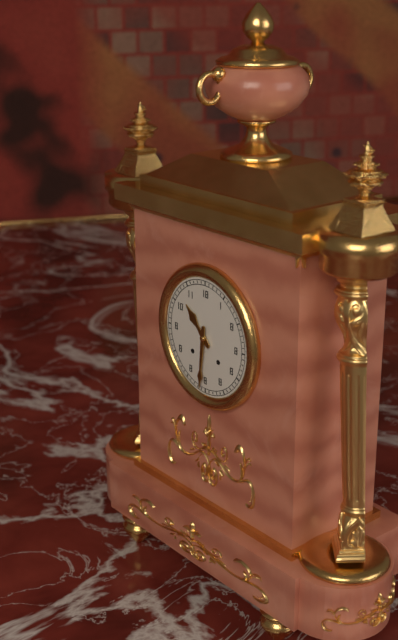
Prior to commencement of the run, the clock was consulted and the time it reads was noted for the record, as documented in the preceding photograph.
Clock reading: 10:31
